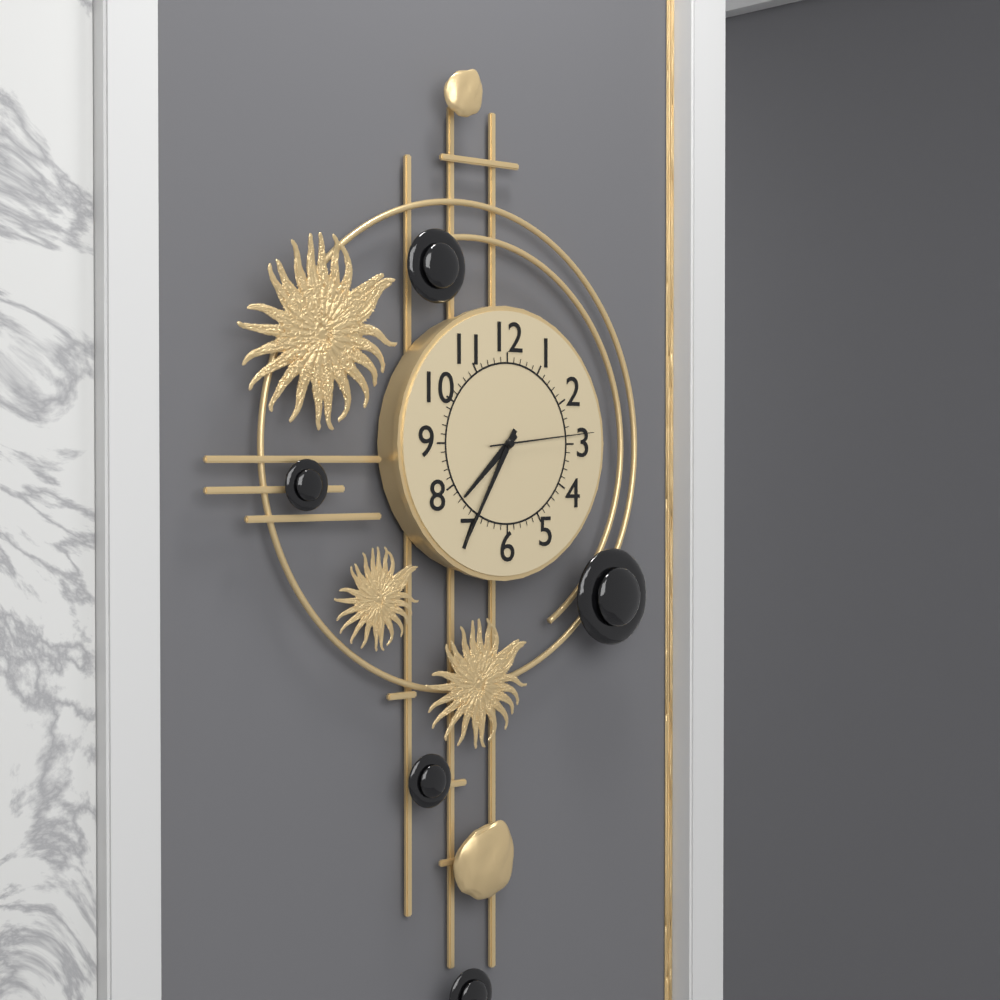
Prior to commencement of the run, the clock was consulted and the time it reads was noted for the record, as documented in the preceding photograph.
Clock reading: 7:35:14
